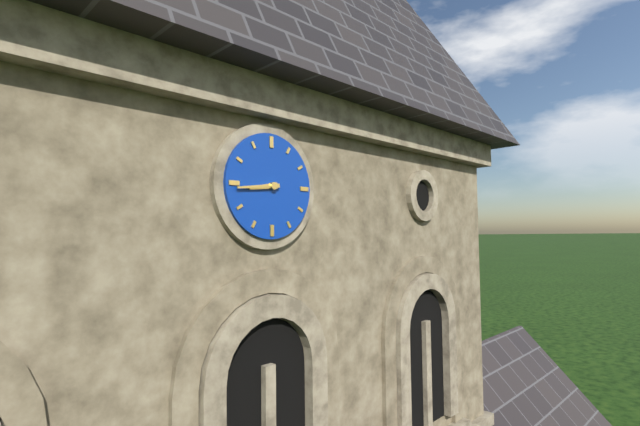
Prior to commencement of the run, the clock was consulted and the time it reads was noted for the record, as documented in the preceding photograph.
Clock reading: 8:44
